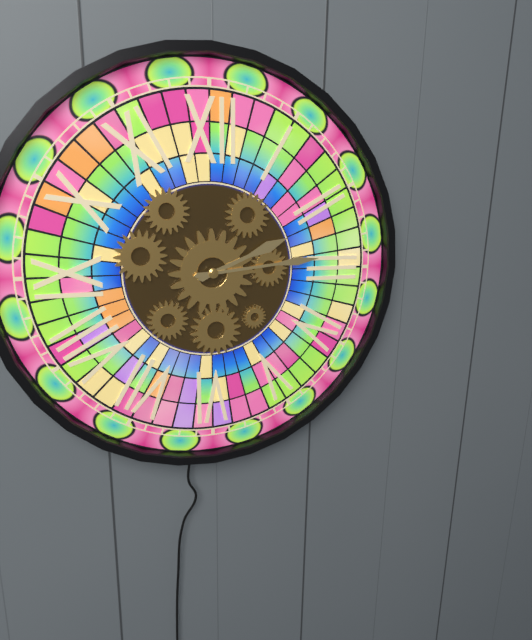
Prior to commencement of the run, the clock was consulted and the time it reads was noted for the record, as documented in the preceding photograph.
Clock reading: 2:14
